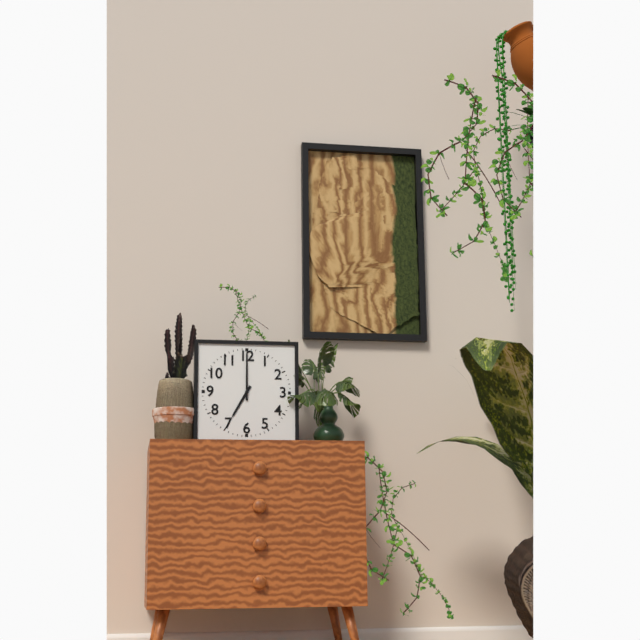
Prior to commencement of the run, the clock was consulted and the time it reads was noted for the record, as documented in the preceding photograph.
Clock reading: 7:00
